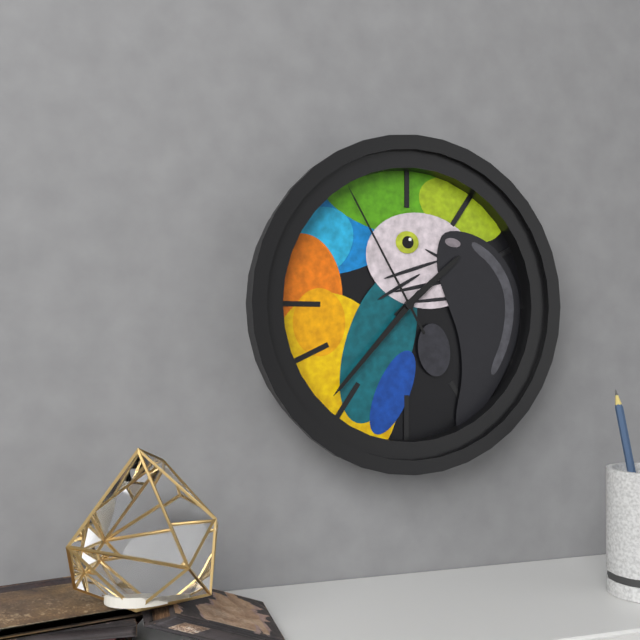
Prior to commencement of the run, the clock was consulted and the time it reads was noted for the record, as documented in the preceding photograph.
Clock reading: 1:37:55
